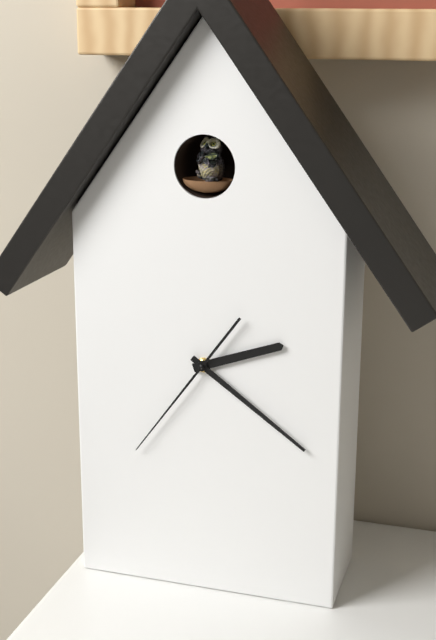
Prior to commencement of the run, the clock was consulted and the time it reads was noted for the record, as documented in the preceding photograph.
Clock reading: 2:21:36
